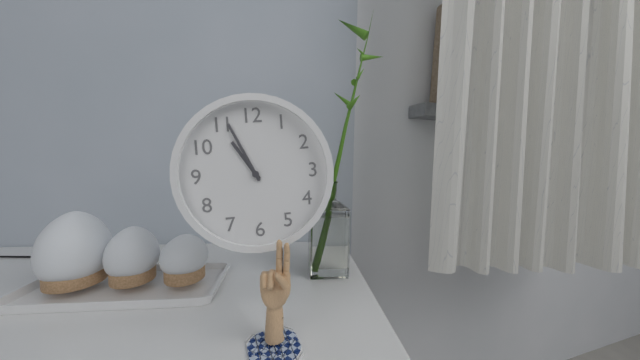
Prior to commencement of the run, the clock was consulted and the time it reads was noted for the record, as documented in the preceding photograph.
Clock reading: 10:56
